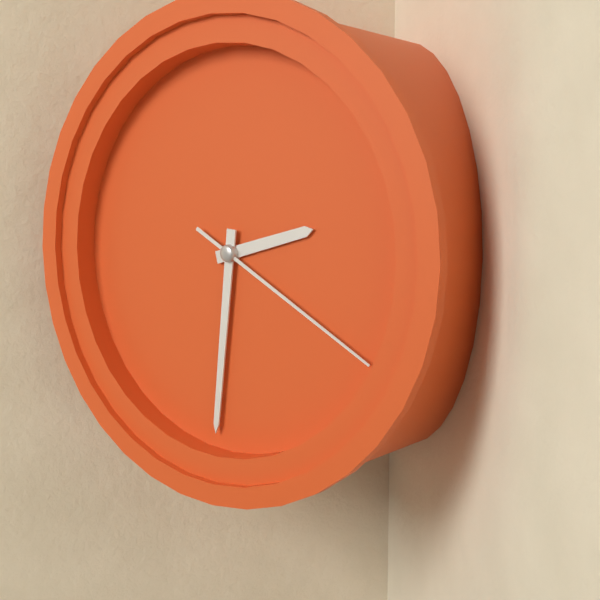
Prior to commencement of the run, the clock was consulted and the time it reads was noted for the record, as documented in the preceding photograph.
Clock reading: 2:31:20
